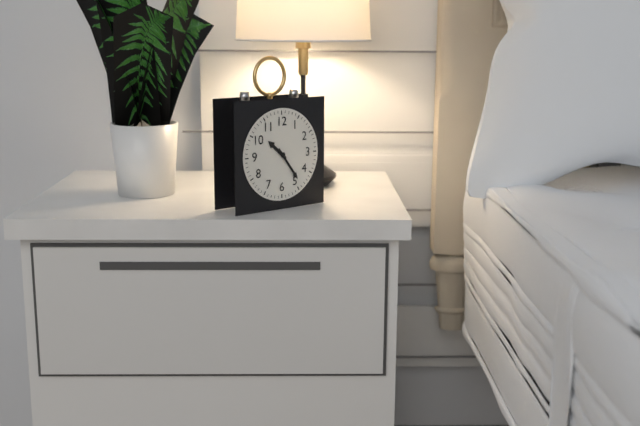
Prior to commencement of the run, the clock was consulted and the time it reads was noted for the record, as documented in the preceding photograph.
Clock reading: 10:24
